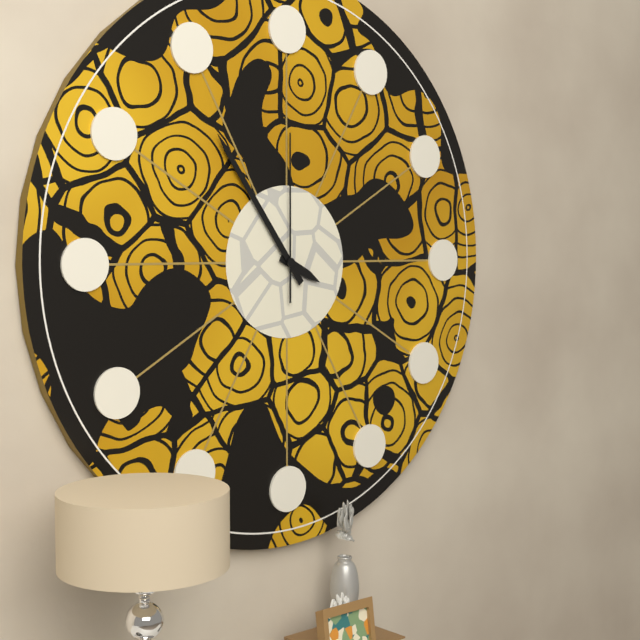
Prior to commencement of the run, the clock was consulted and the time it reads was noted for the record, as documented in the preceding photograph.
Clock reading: 3:54:00
